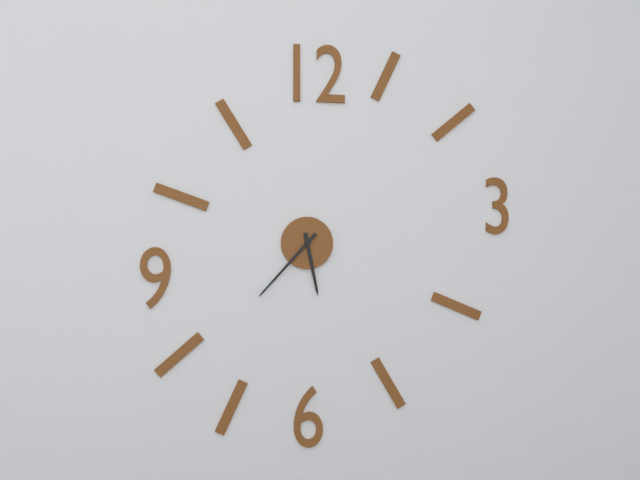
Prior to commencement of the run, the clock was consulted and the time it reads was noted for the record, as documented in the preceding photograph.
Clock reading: 5:37
